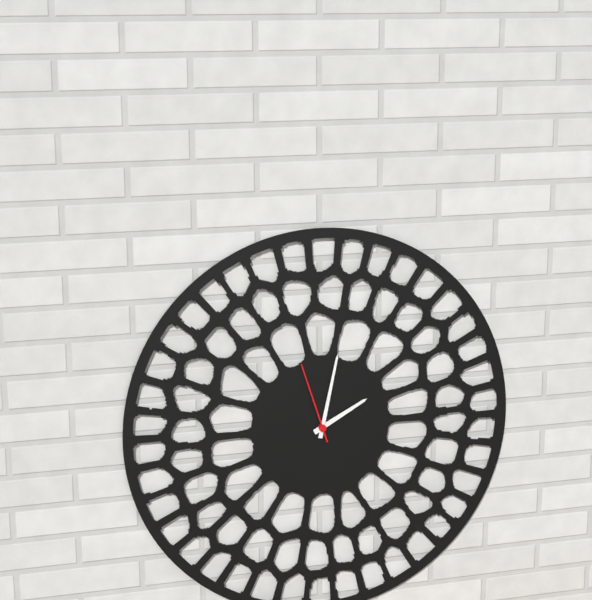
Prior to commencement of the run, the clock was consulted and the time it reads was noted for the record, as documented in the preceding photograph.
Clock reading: 2:02:57
